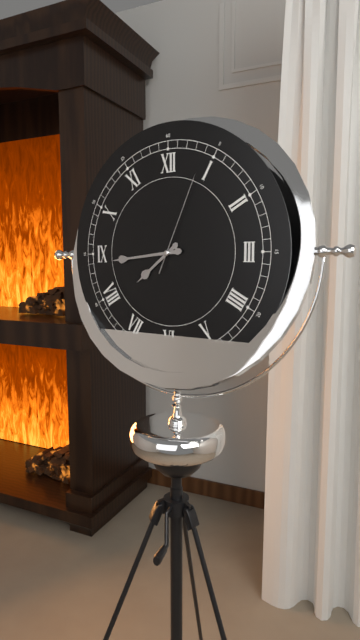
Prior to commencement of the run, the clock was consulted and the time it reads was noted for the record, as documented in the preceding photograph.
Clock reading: 7:44:04
